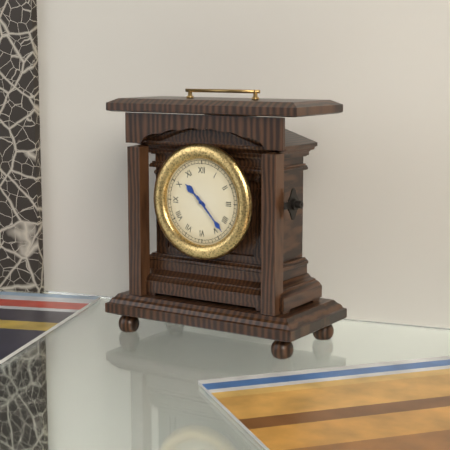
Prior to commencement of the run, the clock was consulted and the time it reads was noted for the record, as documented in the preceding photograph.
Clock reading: 10:23
